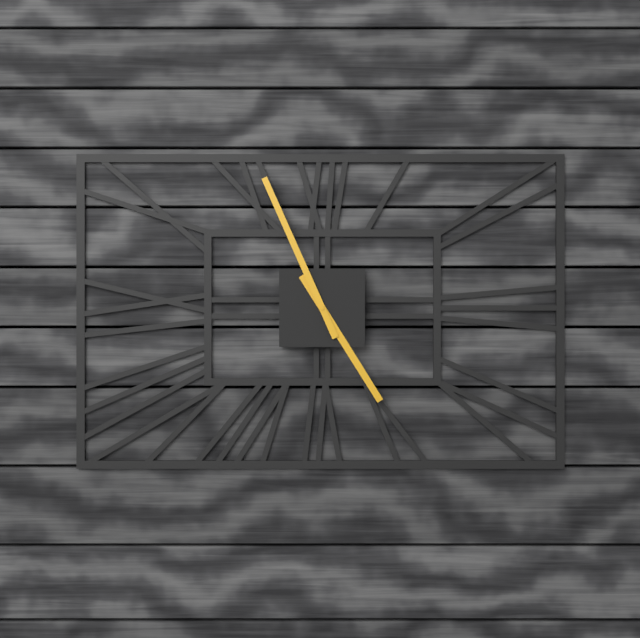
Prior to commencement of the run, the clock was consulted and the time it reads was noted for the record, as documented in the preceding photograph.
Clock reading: 4:56
